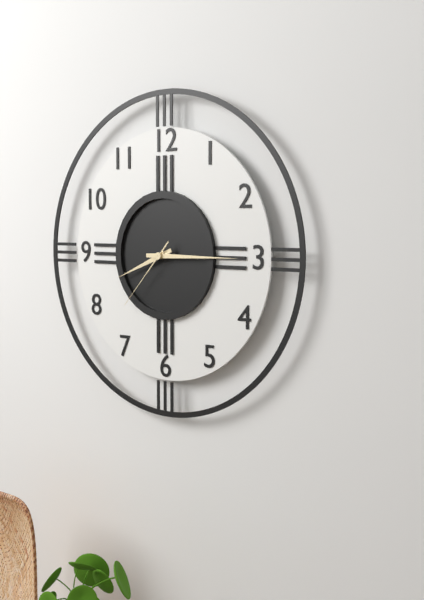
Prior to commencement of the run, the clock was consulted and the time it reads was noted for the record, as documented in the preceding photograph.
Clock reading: 8:15:37
